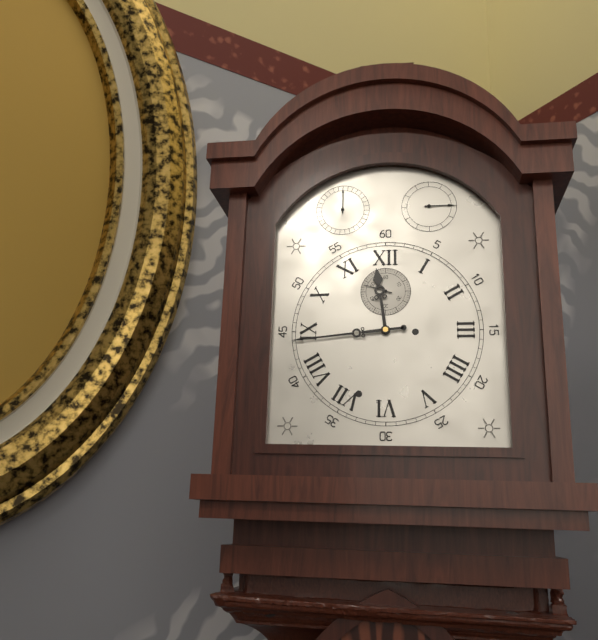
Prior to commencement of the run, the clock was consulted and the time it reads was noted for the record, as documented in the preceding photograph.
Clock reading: 11:44
